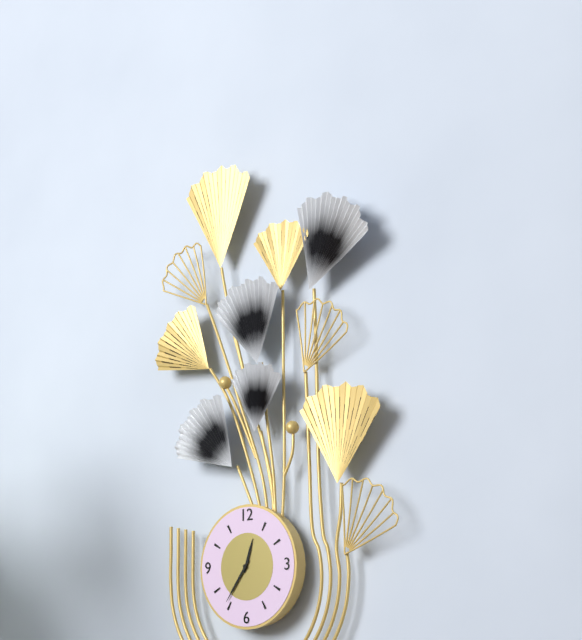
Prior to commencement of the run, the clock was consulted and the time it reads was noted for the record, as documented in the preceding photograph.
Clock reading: 12:36
